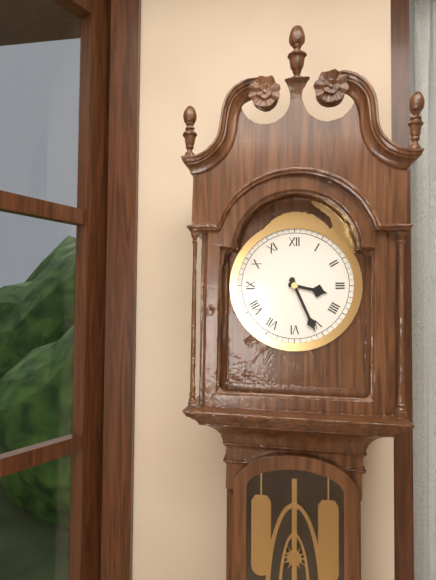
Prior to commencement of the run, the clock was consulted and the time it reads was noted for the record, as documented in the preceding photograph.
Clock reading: 3:26
